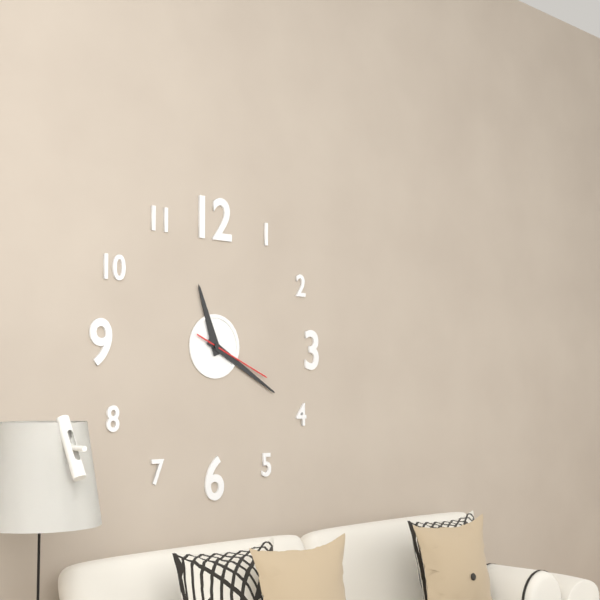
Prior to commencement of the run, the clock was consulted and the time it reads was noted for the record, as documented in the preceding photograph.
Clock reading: 11:20:19
